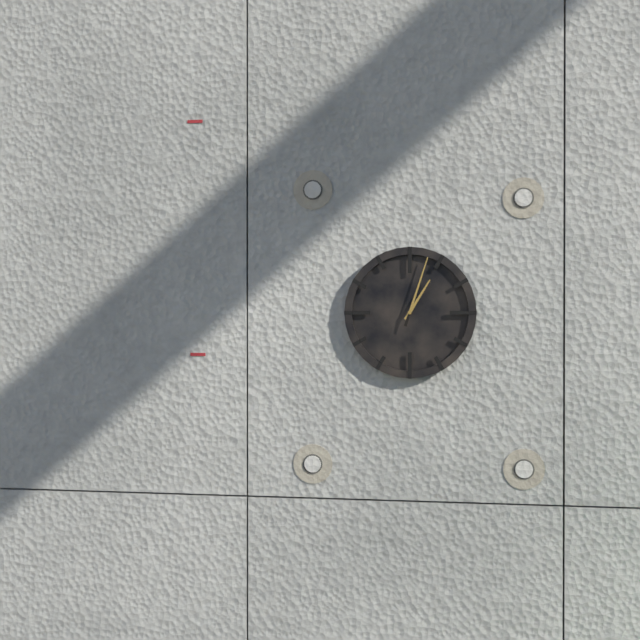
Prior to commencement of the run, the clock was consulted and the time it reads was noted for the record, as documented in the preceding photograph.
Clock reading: 1:03
